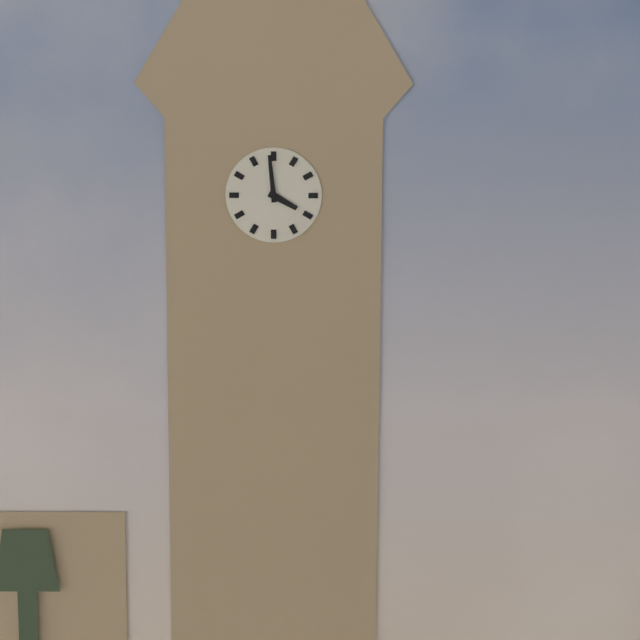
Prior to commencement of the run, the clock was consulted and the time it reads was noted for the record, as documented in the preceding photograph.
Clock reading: 3:59
